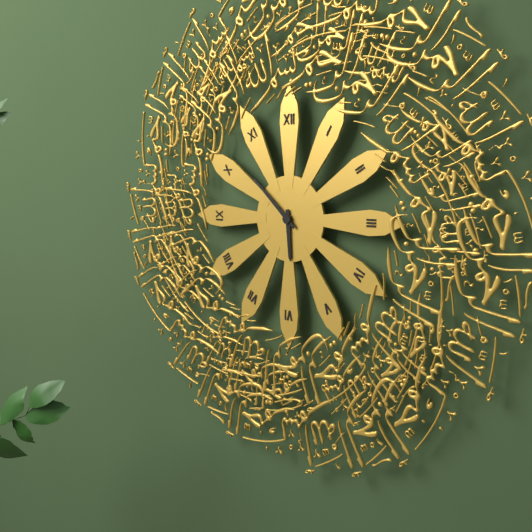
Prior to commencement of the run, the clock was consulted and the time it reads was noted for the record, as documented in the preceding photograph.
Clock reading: 5:52
